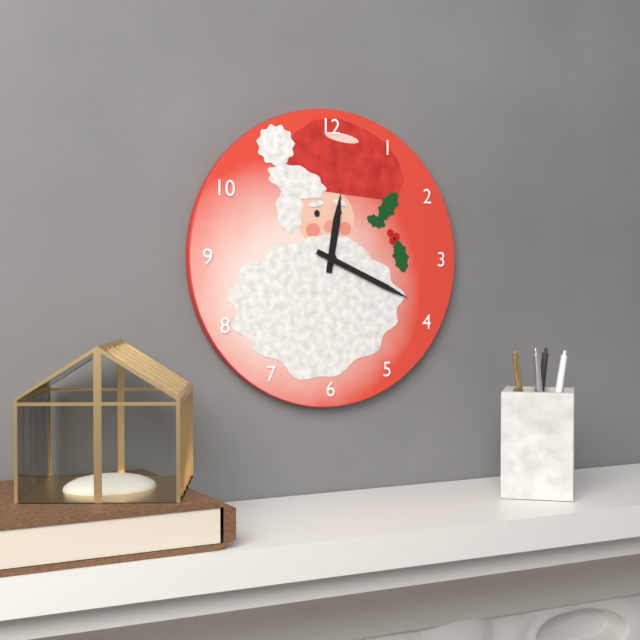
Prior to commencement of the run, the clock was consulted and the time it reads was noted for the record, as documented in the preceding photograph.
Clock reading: 12:19
